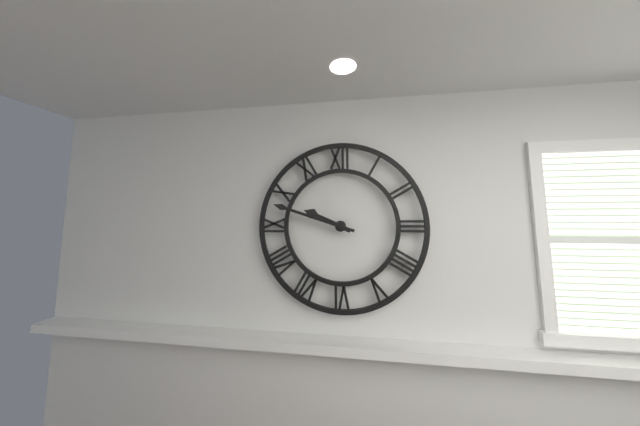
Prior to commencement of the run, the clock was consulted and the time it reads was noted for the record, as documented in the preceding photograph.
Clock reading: 9:48
